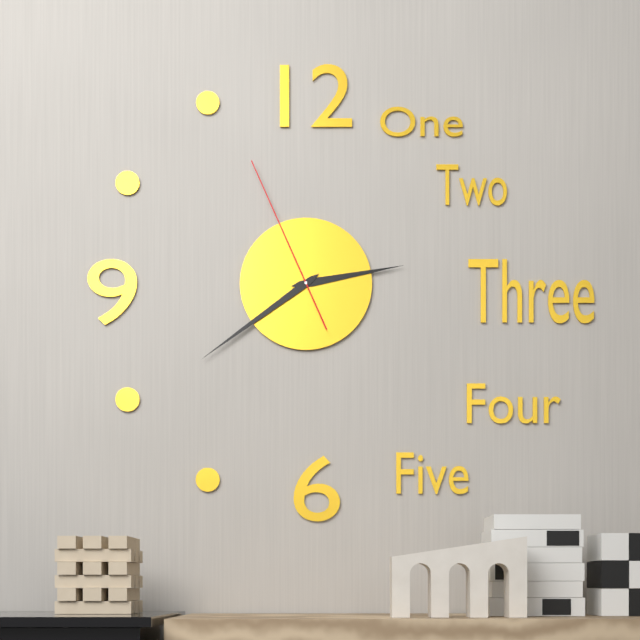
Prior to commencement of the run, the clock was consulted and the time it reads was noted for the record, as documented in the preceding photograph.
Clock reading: 2:39:56
